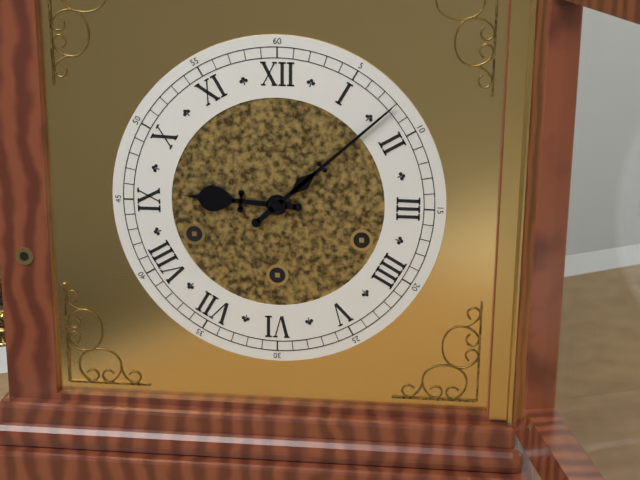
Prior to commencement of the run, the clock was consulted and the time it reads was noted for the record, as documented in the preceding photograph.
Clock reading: 9:08
